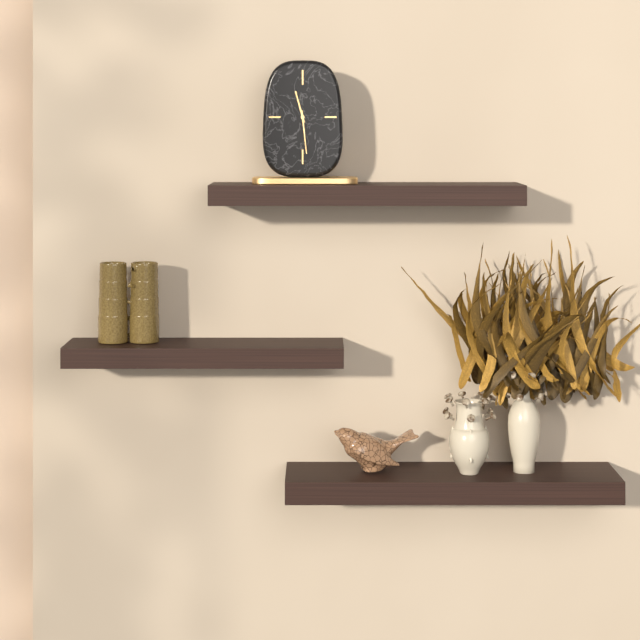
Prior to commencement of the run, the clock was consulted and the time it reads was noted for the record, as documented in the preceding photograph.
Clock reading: 11:29
